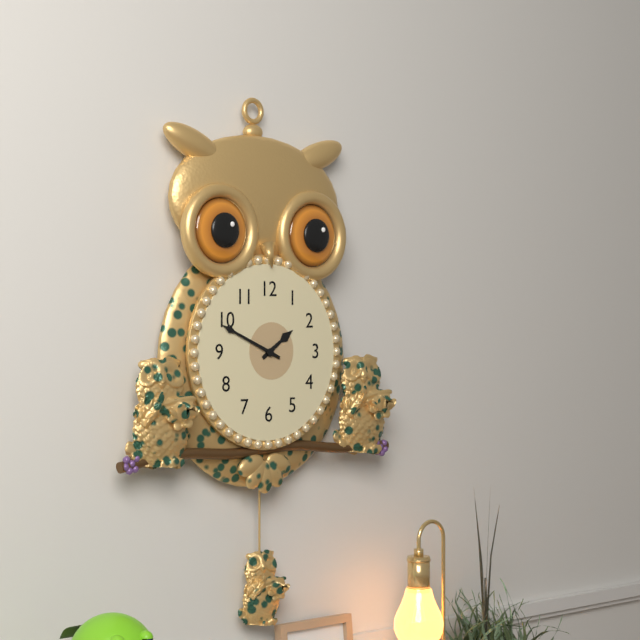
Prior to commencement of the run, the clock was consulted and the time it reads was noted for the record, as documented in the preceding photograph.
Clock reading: 1:49
